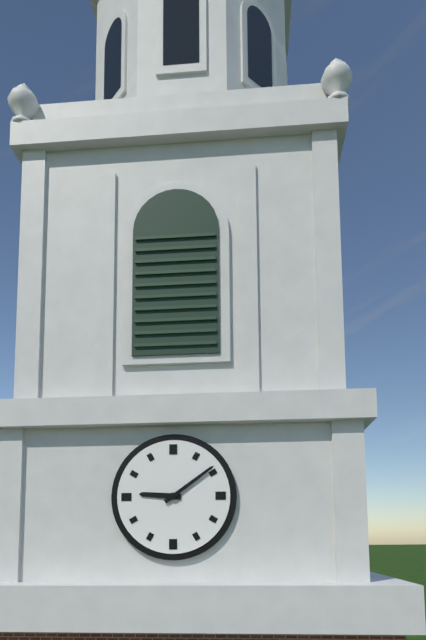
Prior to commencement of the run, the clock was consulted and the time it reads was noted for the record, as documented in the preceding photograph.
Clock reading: 9:09
